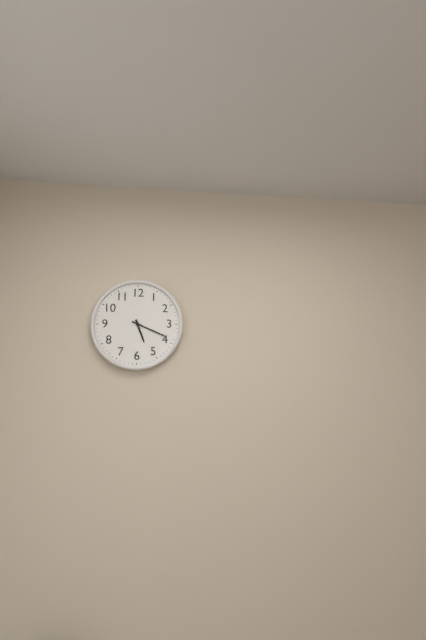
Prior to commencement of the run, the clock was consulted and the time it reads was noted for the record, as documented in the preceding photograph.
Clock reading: 5:19
